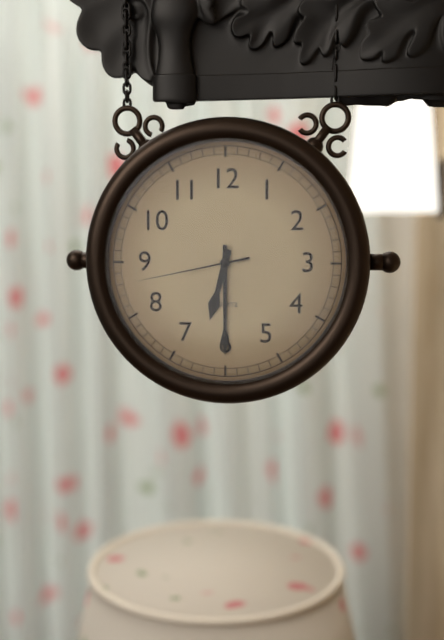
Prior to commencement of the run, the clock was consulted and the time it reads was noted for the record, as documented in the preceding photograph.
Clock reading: 6:30:43
